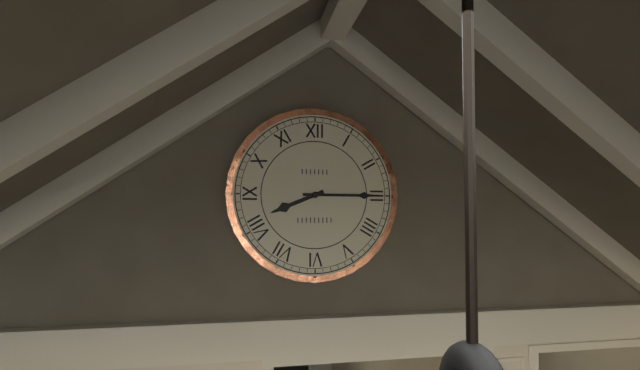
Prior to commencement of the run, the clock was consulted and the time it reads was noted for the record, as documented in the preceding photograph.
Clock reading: 8:15
